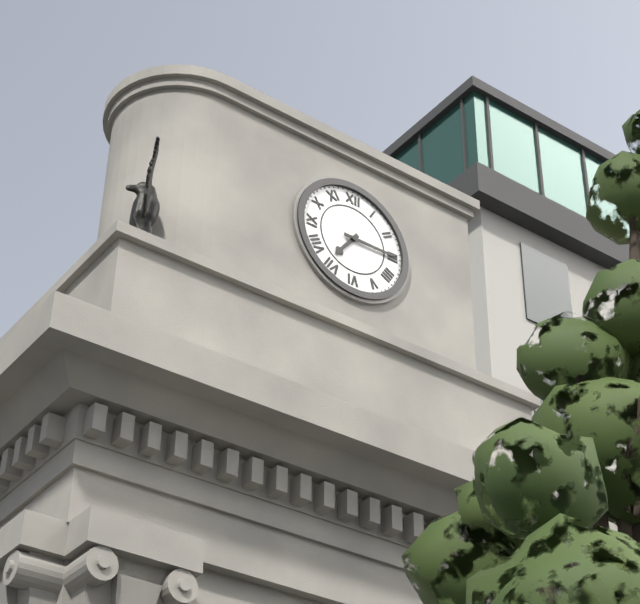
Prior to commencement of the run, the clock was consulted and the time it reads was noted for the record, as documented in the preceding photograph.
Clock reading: 7:15
